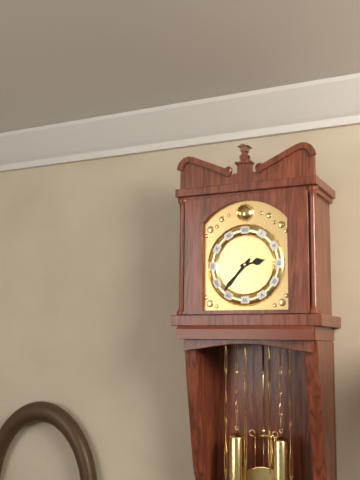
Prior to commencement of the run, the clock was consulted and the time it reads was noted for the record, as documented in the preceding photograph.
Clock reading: 2:37
